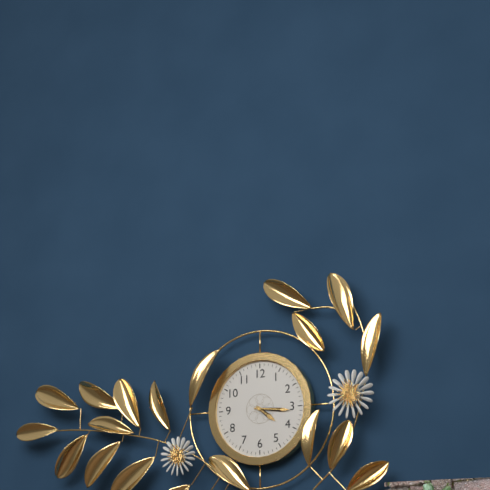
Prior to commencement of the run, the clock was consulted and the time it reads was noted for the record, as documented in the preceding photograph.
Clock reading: 4:16
